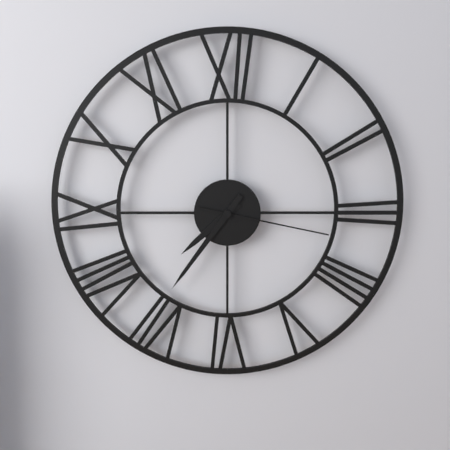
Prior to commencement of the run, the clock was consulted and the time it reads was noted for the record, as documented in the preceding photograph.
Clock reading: 7:36:17
